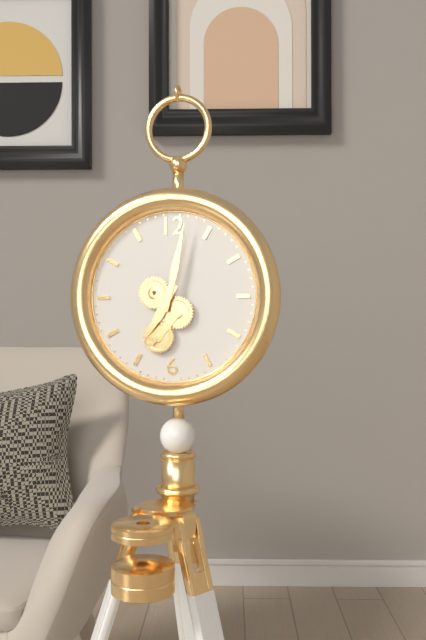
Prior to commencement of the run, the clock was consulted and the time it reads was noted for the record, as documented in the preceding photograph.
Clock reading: 7:02
